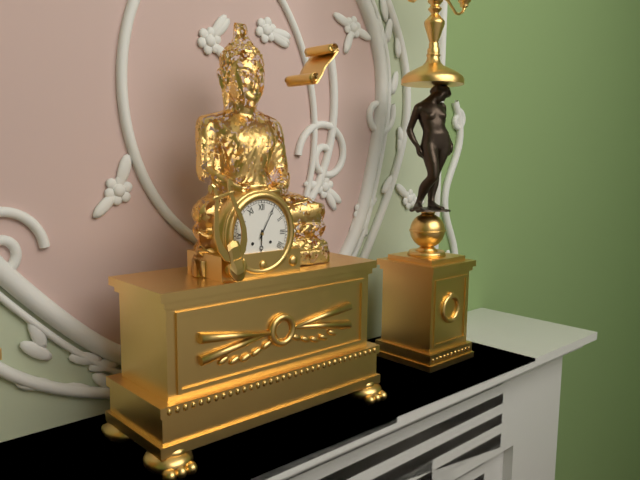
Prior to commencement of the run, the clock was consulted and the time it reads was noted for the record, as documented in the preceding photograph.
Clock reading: 6:05
